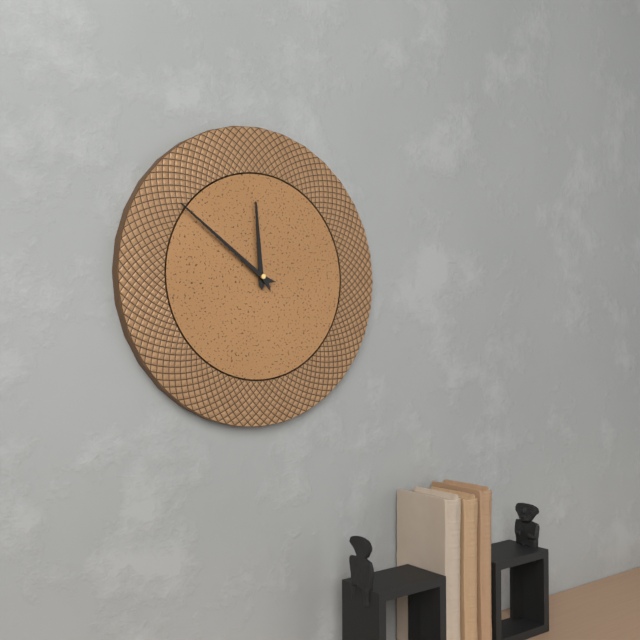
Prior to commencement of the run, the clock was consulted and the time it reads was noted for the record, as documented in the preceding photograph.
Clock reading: 11:51
